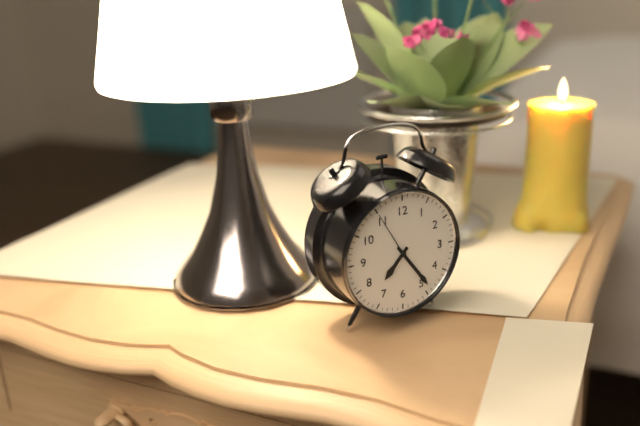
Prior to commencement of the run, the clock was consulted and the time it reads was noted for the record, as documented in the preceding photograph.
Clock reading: 7:24:55
